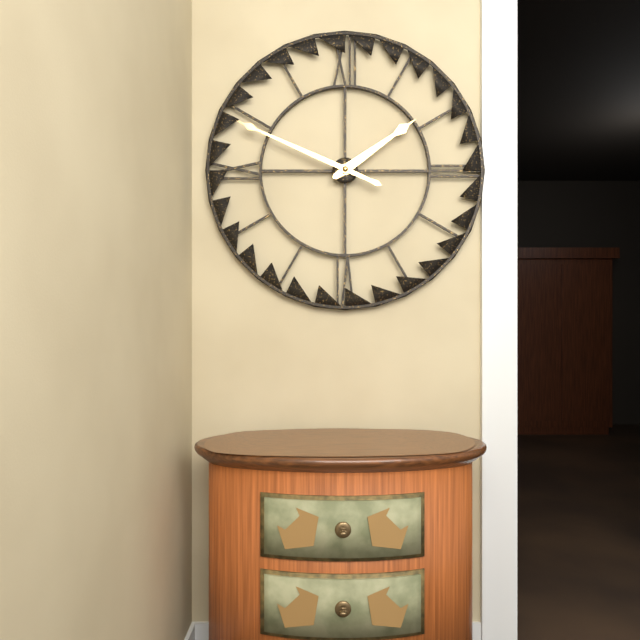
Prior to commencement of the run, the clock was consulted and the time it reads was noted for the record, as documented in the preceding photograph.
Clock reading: 1:49
